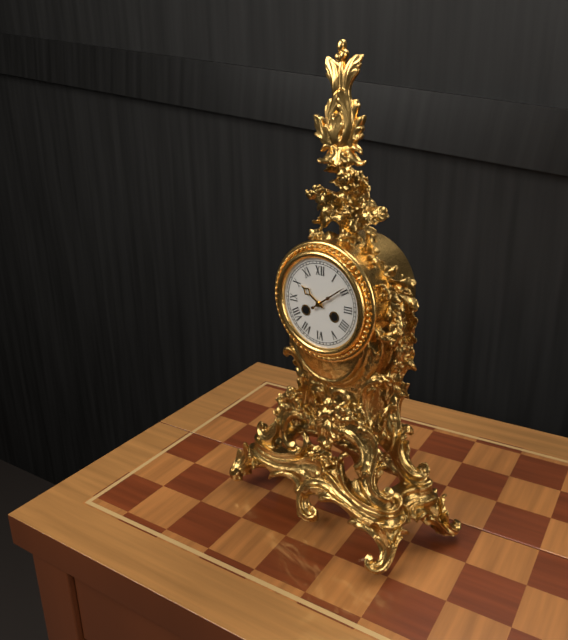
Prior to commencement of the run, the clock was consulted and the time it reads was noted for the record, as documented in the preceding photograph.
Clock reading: 10:09
